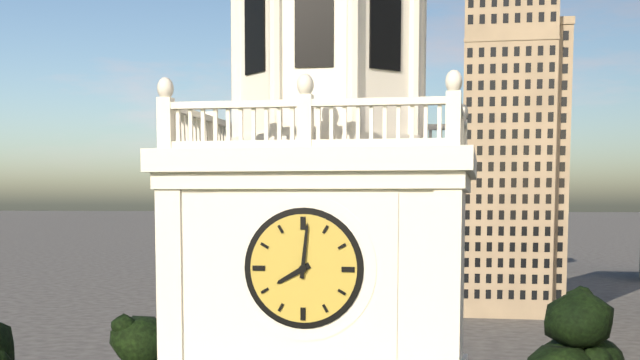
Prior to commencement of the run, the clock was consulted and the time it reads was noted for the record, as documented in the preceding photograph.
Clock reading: 8:01
